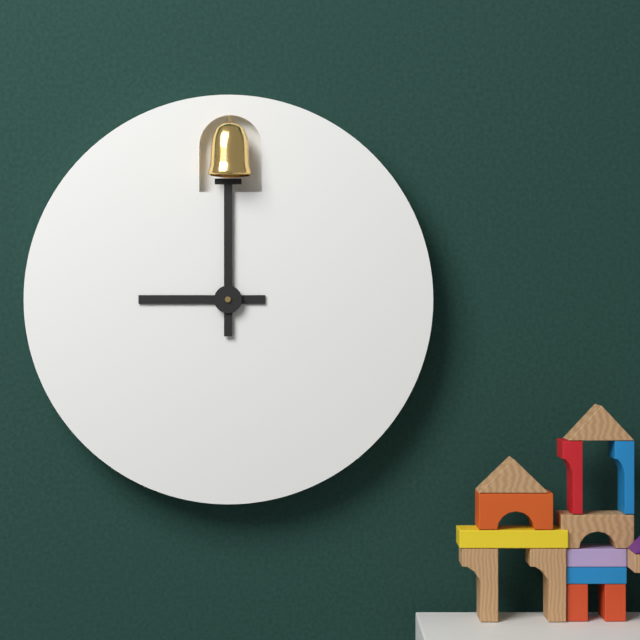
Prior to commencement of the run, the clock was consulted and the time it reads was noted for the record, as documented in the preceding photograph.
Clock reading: 9:00
